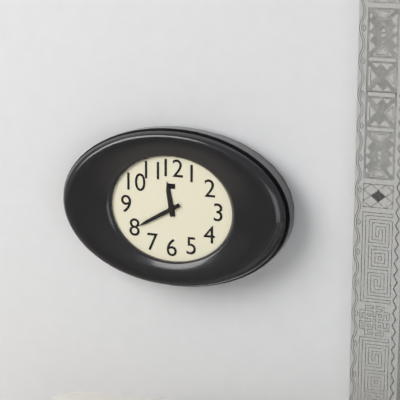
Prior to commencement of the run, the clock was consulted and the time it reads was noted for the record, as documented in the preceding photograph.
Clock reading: 11:40
